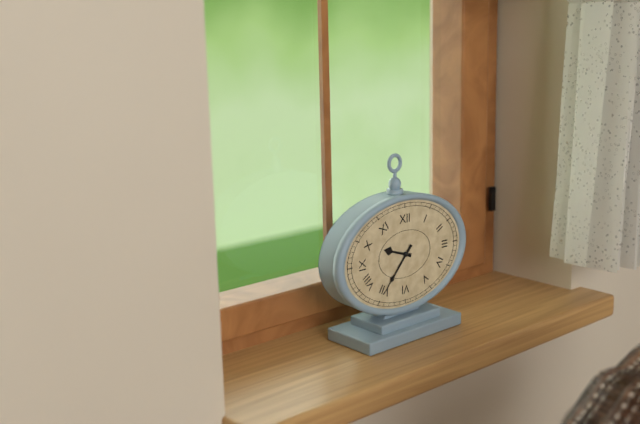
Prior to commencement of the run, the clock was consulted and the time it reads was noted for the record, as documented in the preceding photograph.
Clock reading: 9:37
